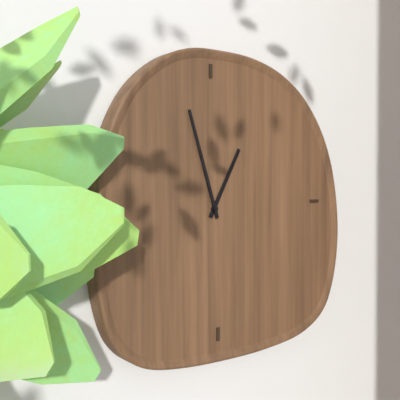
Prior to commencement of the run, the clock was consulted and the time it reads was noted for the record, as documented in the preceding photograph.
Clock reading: 12:57
